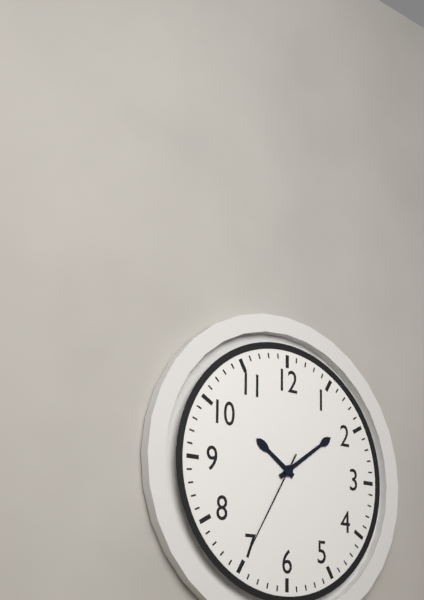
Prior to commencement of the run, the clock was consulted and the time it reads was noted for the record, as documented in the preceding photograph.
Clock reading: 10:09:35
